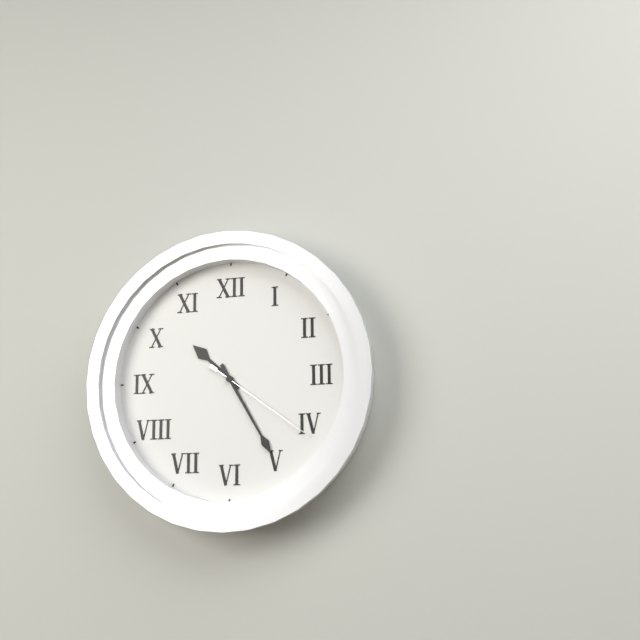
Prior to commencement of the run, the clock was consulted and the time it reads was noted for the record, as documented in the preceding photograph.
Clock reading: 10:25:21
